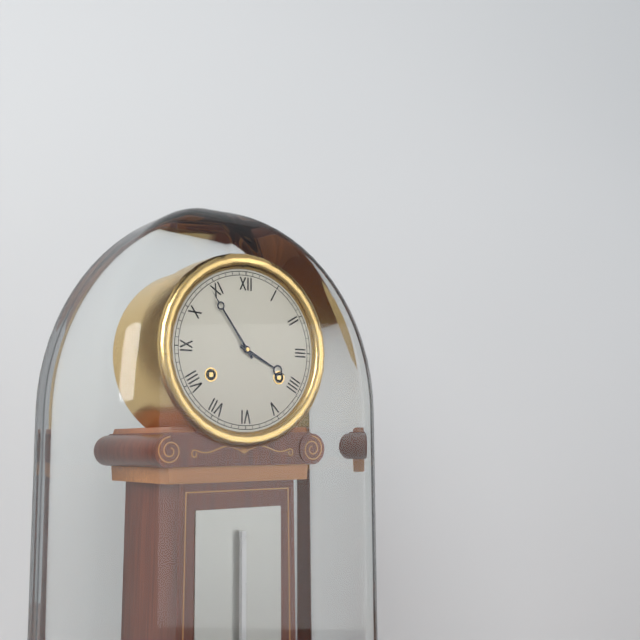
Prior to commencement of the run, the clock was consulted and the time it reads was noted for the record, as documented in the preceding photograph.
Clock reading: 3:54
